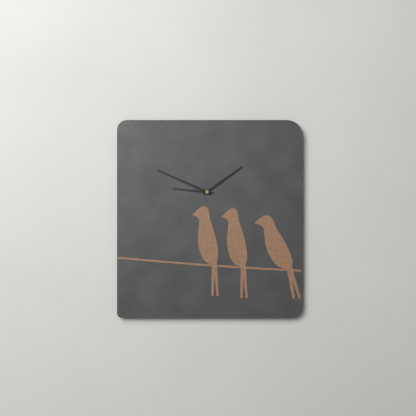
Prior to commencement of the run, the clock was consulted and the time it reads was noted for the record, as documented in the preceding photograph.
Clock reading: 1:49
